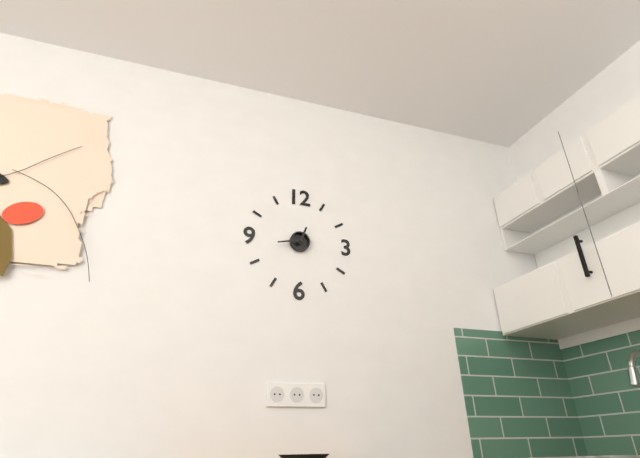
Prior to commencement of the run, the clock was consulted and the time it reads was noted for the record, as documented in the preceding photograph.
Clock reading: 12:43
